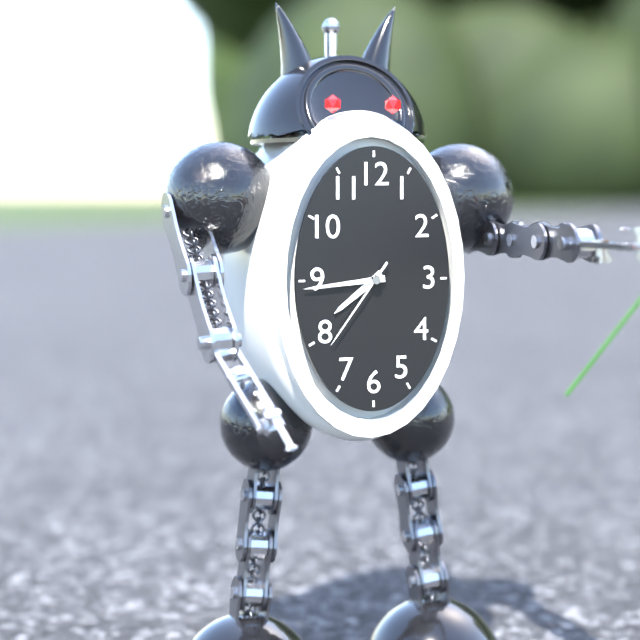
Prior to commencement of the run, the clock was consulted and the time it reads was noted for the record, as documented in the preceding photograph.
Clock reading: 7:44:36
